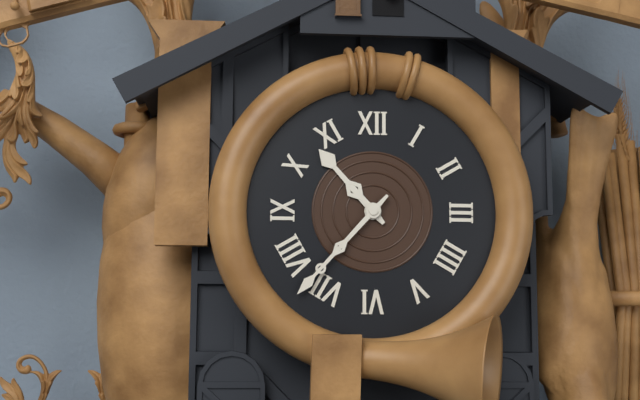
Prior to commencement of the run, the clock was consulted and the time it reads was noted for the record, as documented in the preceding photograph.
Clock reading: 10:37
